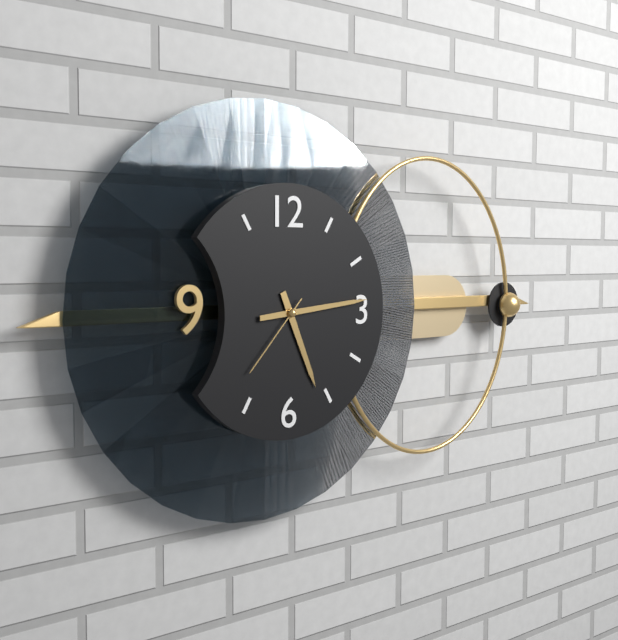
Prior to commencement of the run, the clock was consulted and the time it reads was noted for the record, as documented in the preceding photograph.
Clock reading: 5:14:37
